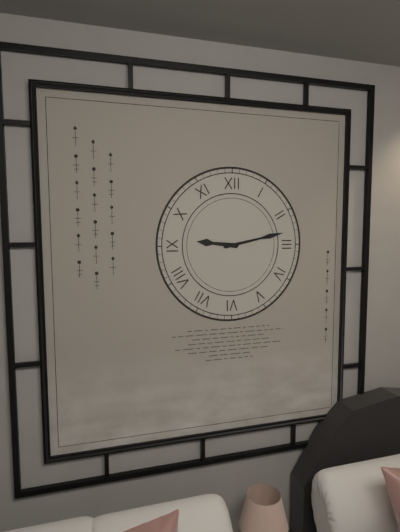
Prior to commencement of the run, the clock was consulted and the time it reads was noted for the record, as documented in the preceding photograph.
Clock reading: 9:13
